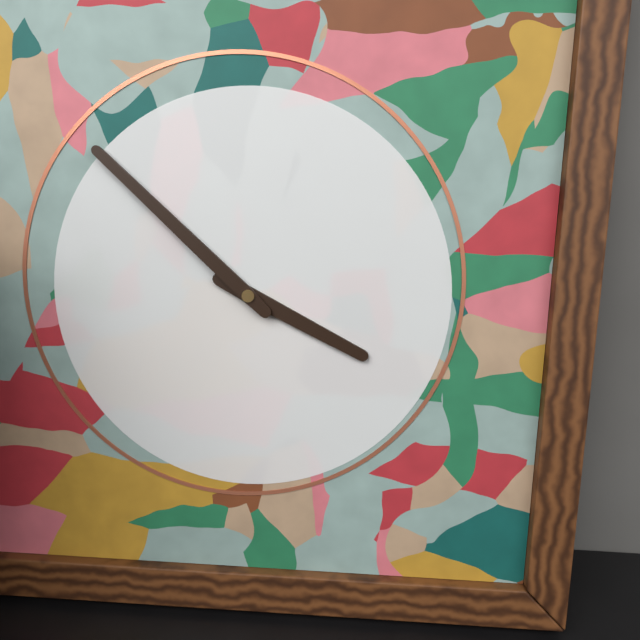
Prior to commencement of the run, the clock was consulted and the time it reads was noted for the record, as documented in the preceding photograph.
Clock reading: 3:52
